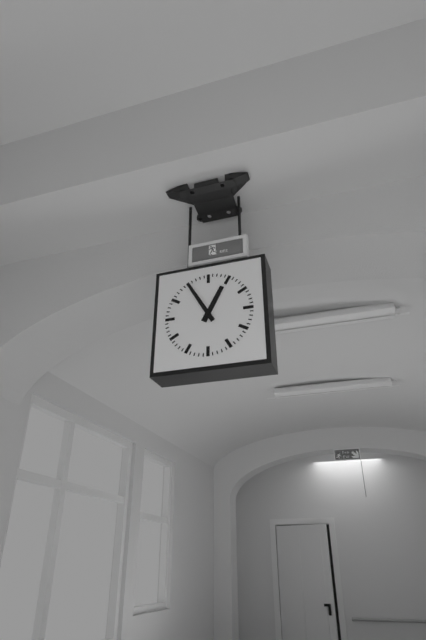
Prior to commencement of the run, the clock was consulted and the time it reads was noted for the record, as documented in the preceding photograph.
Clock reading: 12:55
